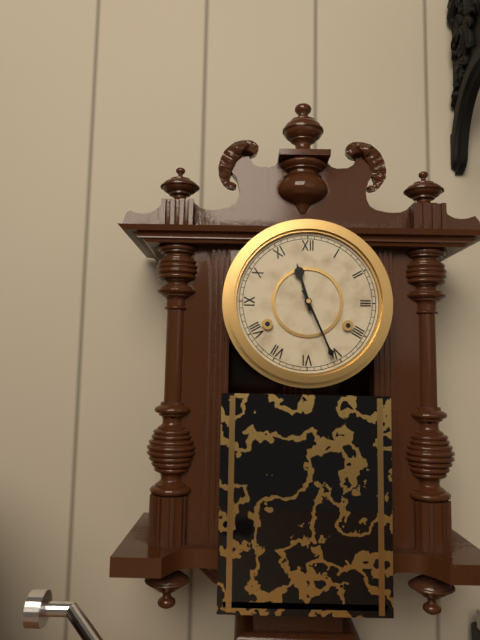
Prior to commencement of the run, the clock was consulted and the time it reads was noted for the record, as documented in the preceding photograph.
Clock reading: 11:26
